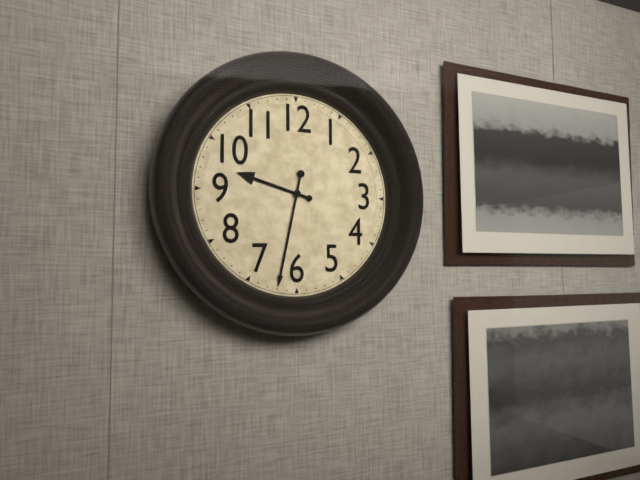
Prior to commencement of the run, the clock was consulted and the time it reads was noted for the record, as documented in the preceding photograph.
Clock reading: 9:32
